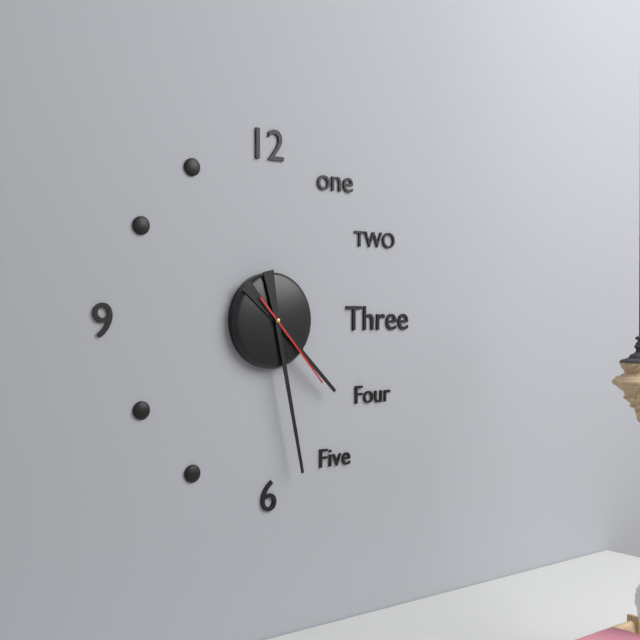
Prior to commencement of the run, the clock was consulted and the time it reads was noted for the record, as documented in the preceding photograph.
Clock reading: 4:28:23
